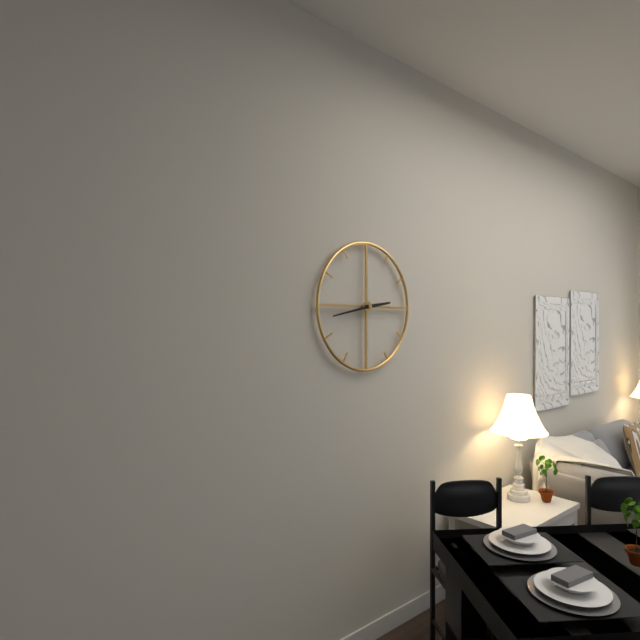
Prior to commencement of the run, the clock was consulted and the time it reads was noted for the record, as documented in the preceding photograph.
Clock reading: 2:43
